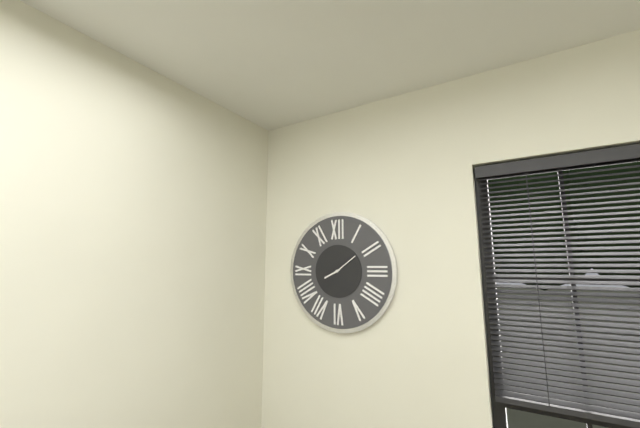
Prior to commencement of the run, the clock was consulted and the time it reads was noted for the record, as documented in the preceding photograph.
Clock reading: 8:09
